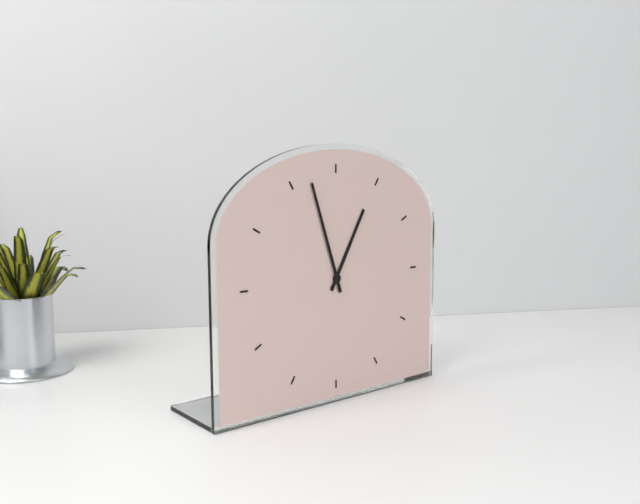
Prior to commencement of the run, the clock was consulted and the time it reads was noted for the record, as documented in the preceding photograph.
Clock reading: 12:57
